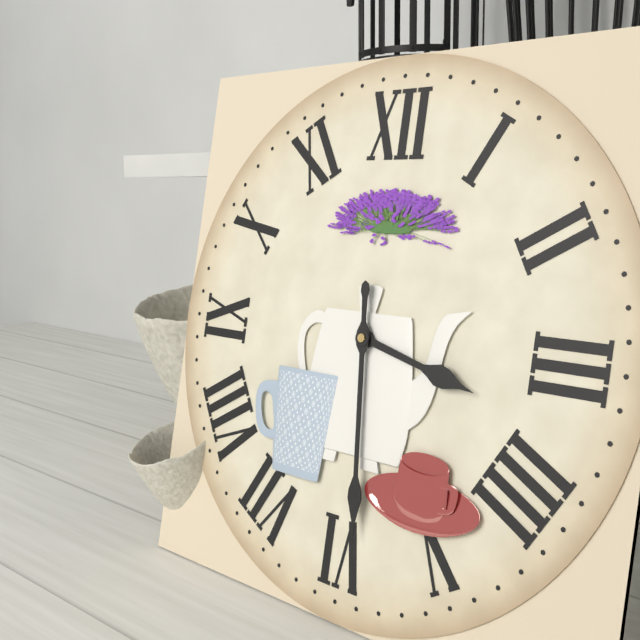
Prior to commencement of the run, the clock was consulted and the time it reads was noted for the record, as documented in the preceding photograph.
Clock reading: 3:29
